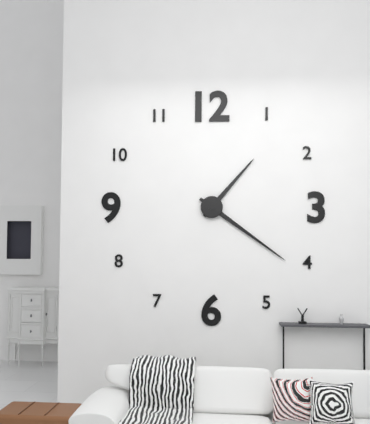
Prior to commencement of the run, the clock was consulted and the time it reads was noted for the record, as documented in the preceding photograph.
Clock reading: 1:21
